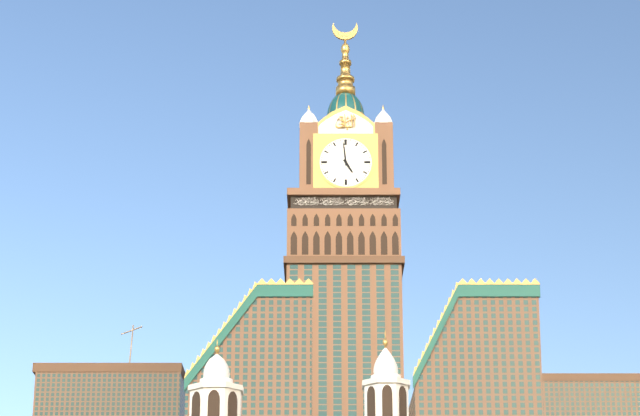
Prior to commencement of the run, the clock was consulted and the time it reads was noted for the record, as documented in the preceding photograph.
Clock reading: 4:59
